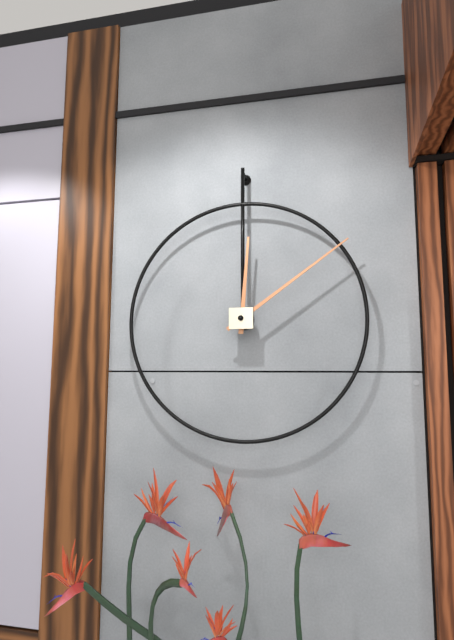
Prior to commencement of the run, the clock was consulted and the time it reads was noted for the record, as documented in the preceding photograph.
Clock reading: 12:09
